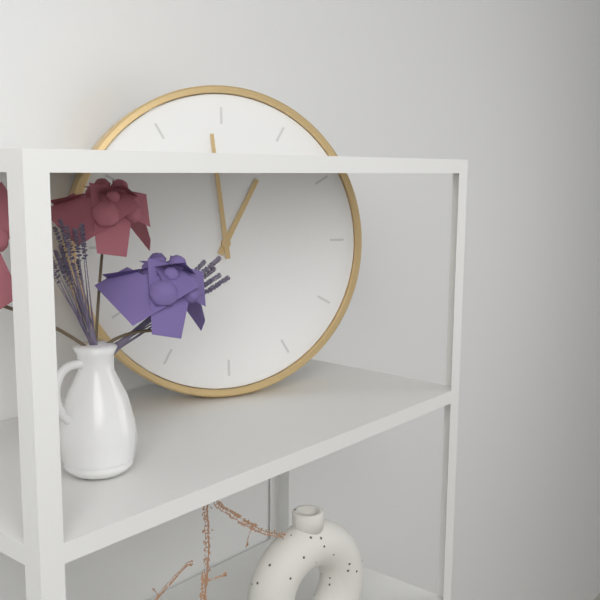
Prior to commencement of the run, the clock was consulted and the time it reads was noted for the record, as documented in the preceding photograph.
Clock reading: 12:59
